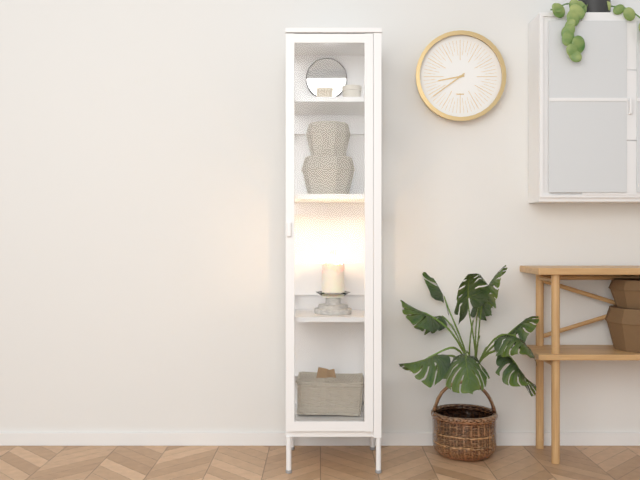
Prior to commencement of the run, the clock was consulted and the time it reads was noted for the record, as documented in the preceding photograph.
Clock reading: 8:39
